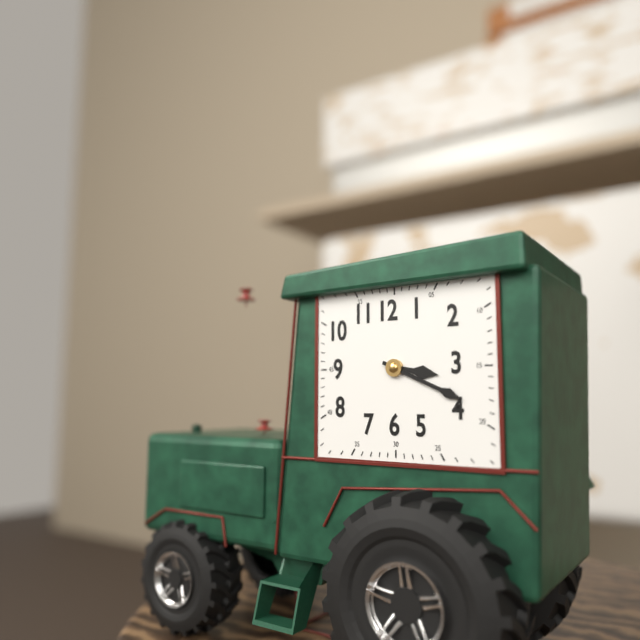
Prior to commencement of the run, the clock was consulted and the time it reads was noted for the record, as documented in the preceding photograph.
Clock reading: 3:19
